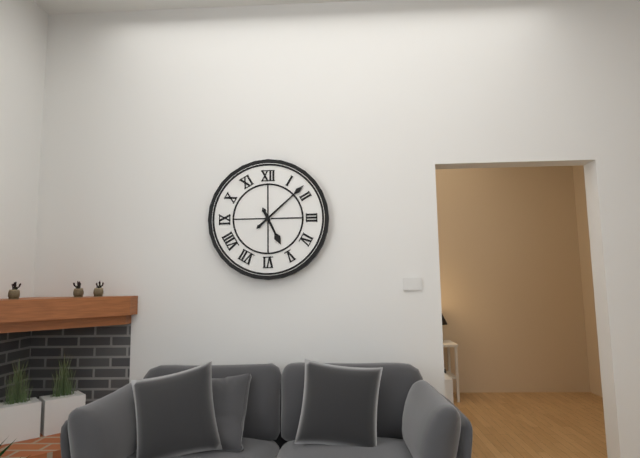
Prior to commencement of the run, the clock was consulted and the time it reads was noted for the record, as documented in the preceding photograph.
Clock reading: 5:08
